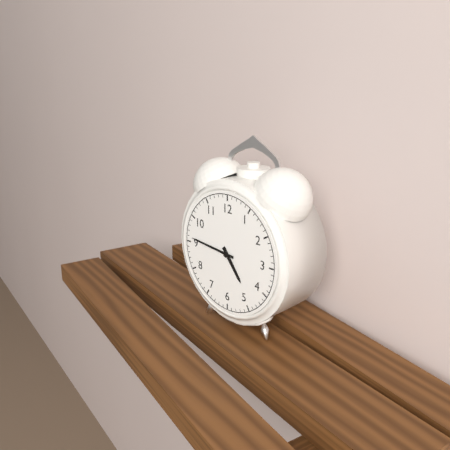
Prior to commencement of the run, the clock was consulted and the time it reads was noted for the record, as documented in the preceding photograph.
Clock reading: 4:46
